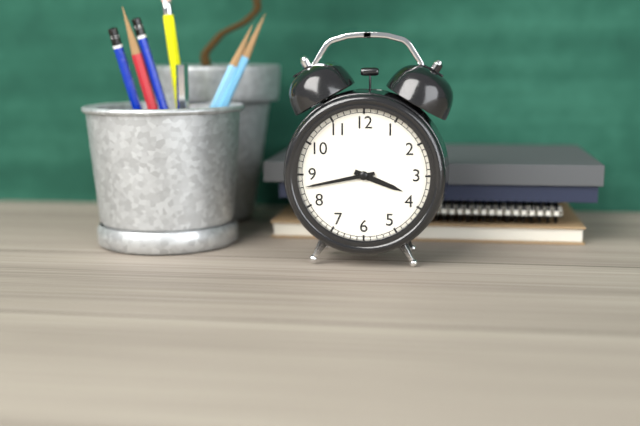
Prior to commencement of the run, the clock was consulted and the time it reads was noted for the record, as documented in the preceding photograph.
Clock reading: 3:43
